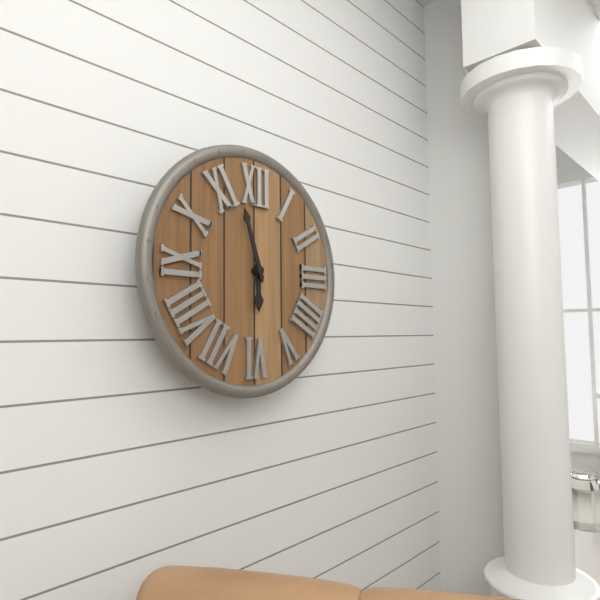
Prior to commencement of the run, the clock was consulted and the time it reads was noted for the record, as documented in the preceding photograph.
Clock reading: 5:57
